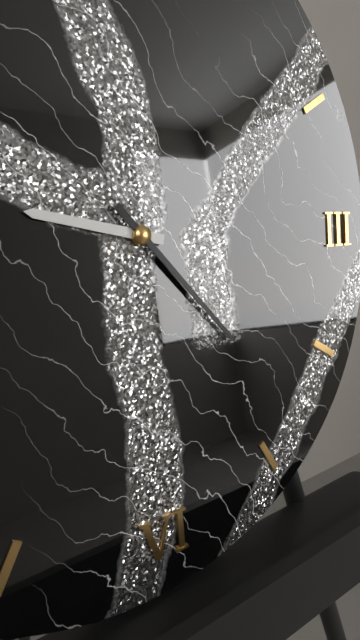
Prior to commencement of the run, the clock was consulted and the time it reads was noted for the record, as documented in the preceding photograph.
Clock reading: 9:23
